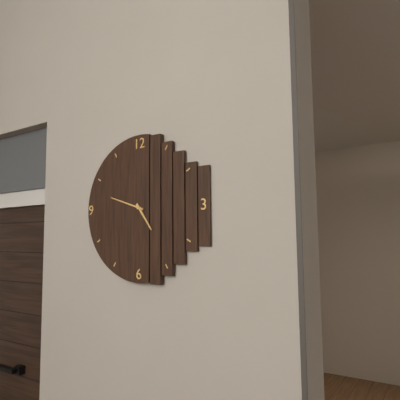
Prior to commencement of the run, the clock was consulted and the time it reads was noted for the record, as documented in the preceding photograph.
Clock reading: 4:48
